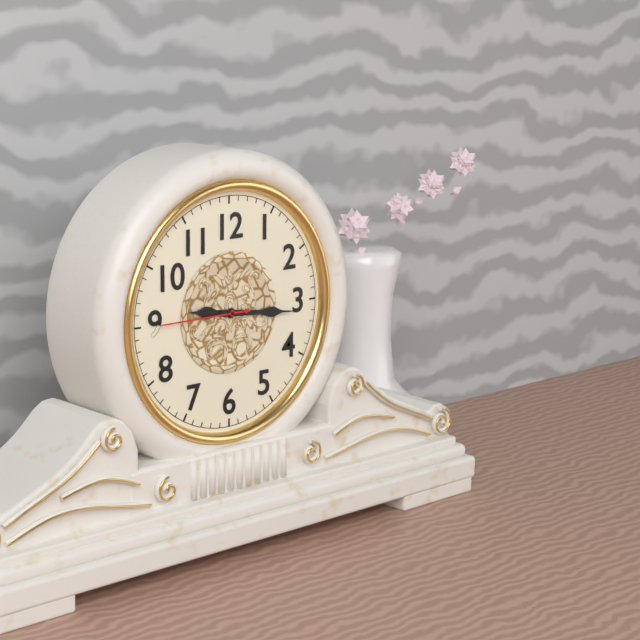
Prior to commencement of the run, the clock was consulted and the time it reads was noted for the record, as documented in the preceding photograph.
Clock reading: 9:16:45
